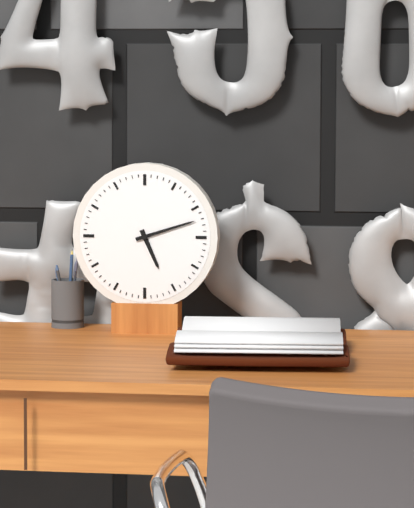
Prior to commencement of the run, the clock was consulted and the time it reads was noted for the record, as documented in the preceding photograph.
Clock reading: 5:12
